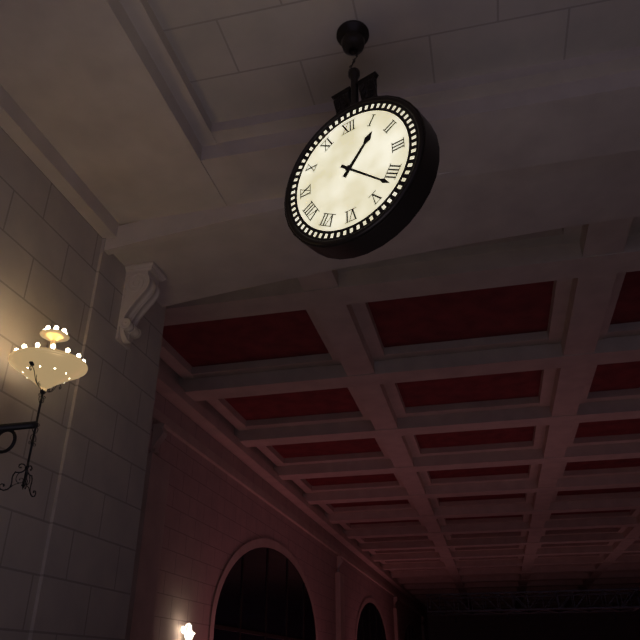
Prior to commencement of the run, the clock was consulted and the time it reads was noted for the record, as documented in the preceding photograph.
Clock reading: 1:22
